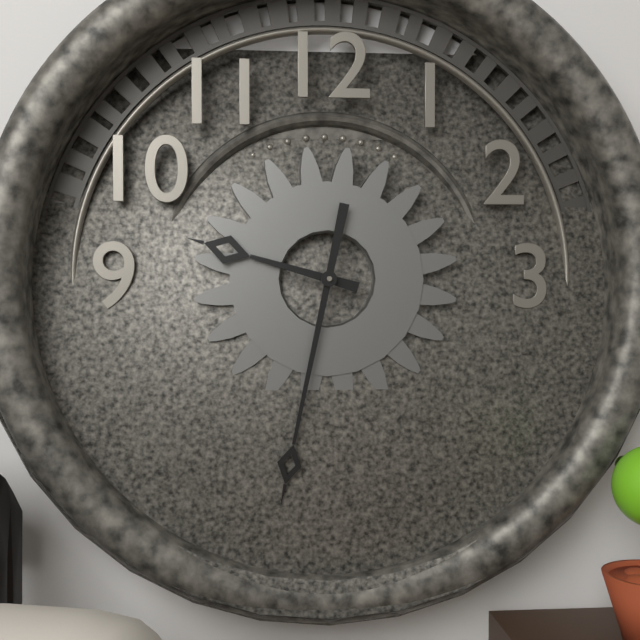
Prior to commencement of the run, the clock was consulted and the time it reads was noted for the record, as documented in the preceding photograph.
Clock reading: 9:32
